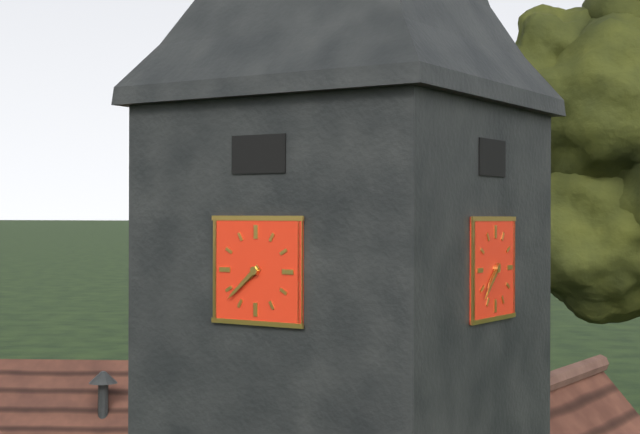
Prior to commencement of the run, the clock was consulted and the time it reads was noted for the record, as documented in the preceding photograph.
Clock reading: 7:38
